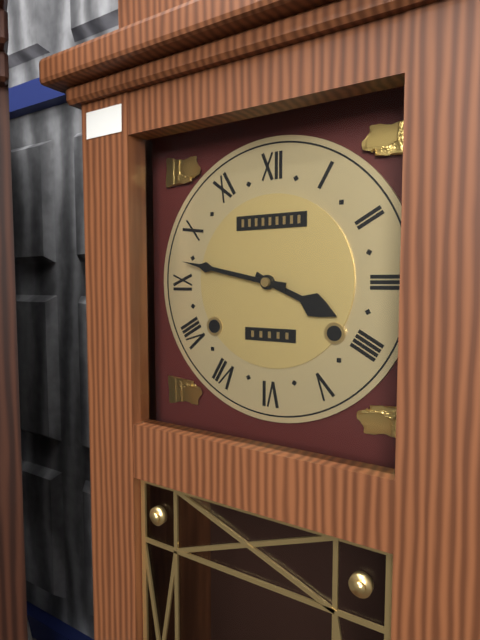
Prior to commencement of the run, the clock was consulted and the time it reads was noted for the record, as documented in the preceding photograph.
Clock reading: 3:47
